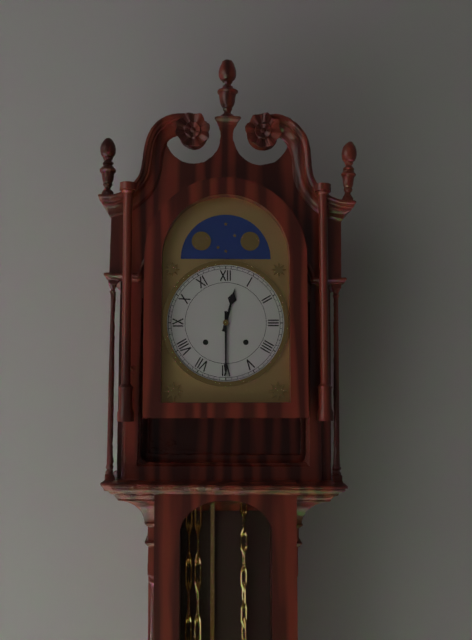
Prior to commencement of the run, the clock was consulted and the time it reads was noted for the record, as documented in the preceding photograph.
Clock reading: 12:30
